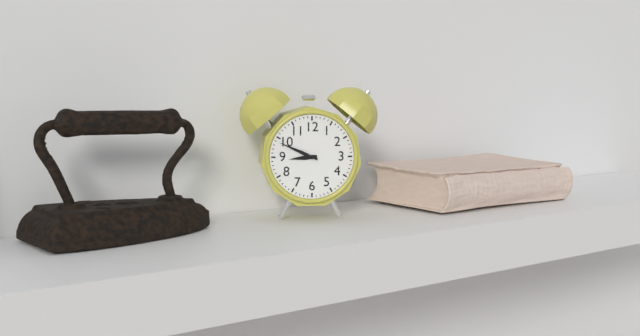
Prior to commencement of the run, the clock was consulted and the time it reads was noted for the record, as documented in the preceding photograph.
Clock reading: 8:49
